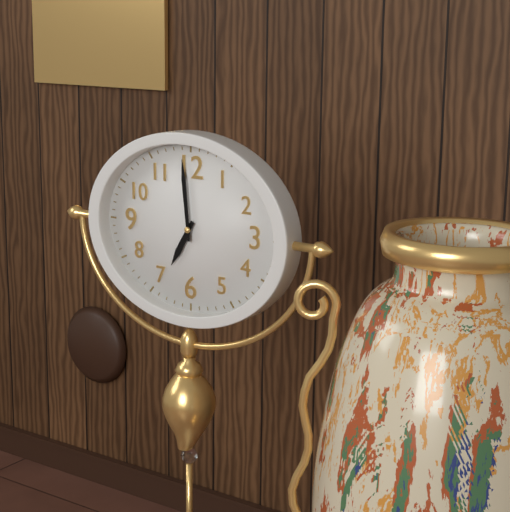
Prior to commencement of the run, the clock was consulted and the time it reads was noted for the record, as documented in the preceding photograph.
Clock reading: 6:59
